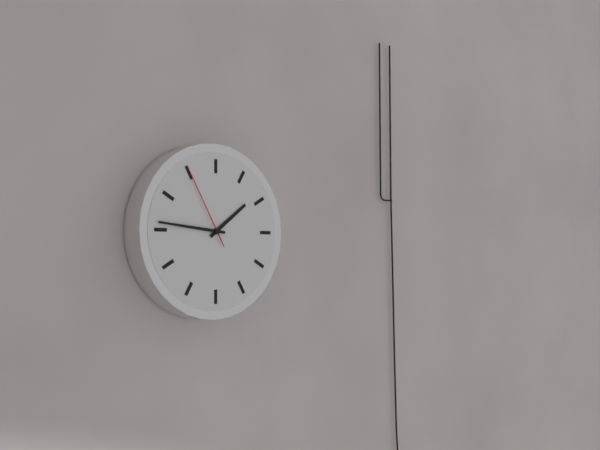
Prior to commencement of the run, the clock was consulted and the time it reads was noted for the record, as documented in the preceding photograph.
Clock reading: 1:46:55
